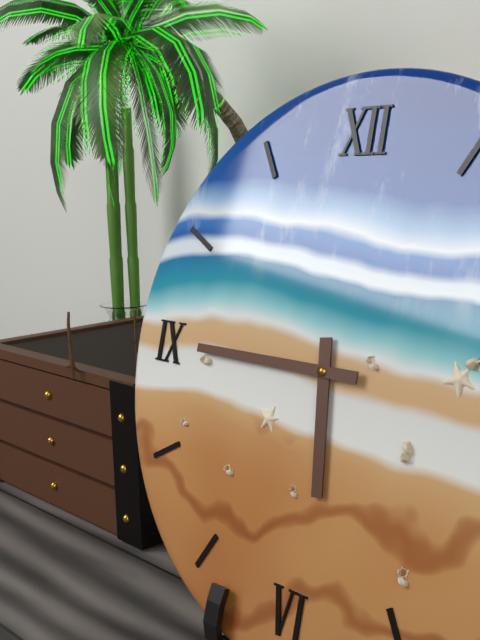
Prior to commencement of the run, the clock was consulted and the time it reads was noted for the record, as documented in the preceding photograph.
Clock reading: 5:45
